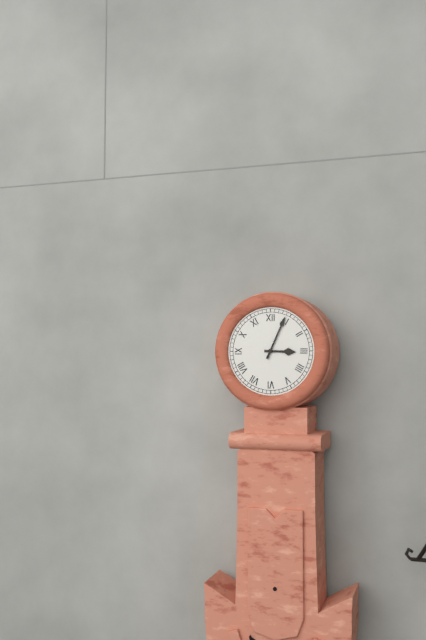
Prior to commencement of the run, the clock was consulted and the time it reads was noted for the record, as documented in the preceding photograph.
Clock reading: 3:04
